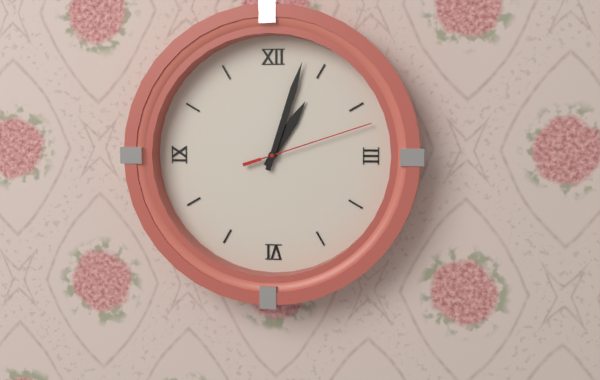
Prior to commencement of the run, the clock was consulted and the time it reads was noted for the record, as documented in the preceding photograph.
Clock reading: 1:03:12
